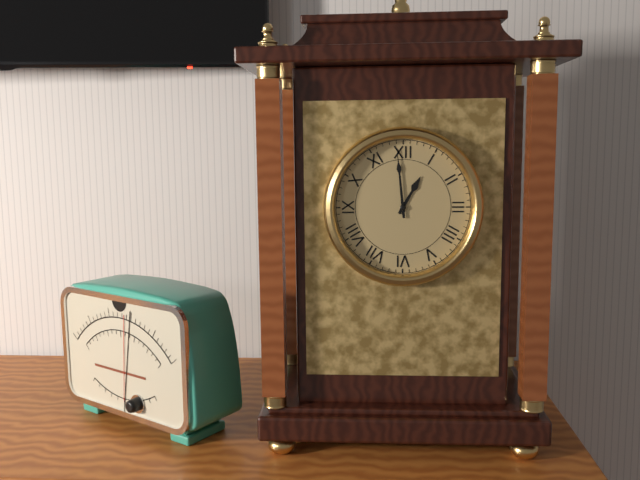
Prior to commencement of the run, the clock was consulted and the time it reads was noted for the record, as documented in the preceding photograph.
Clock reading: 12:59
